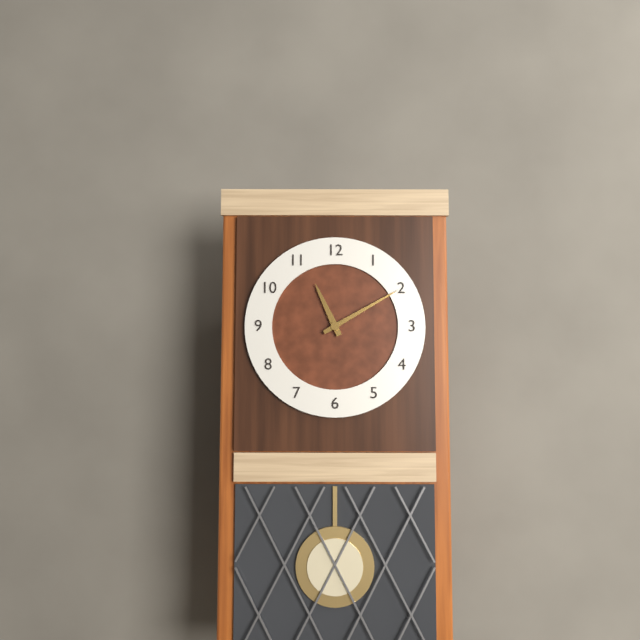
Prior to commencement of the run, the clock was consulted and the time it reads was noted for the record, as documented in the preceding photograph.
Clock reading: 11:10
